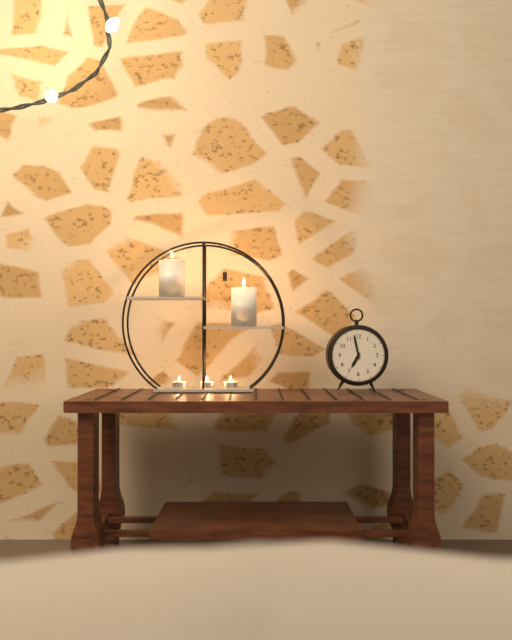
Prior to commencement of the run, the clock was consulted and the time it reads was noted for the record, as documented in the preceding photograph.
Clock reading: 6:58
